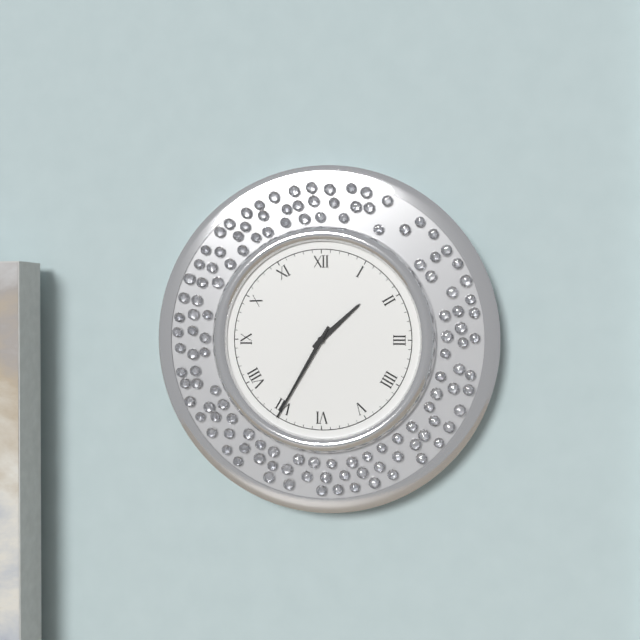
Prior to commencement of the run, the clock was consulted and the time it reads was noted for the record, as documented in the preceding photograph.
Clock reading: 1:35
